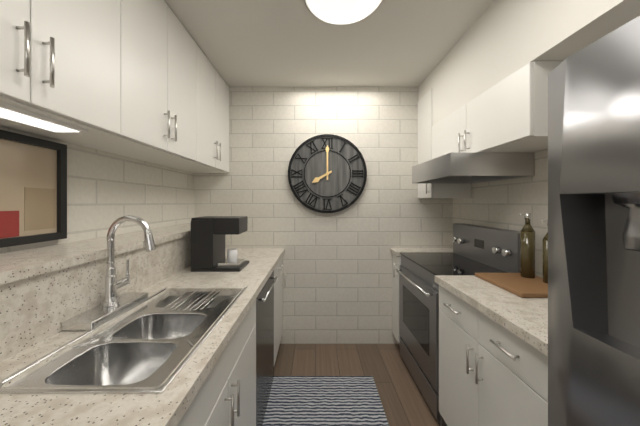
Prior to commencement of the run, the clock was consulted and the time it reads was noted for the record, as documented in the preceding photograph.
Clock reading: 8:00
